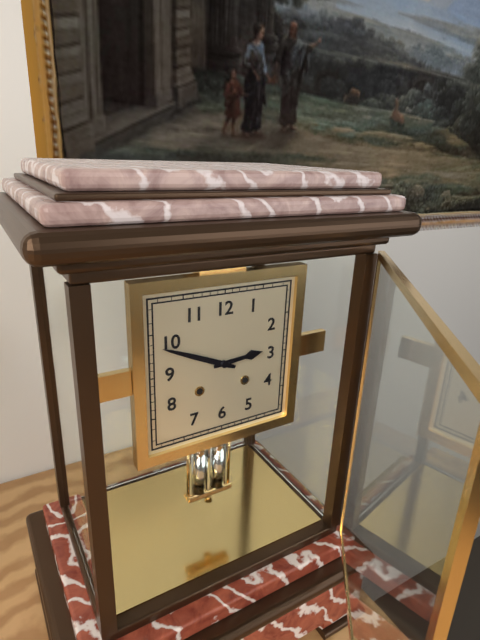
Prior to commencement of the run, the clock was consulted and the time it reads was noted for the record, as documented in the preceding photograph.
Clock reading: 2:49
